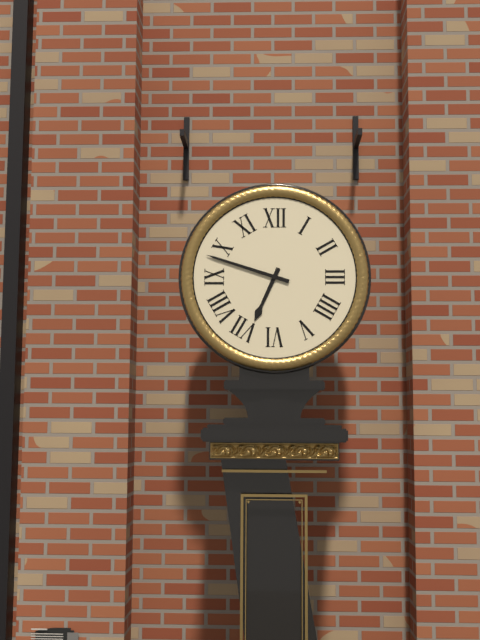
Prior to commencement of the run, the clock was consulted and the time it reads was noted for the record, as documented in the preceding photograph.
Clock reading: 6:48
